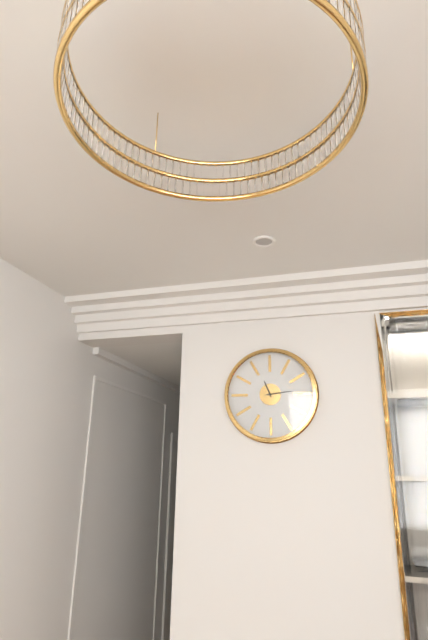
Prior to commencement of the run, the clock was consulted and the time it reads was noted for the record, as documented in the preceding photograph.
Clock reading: 11:14
